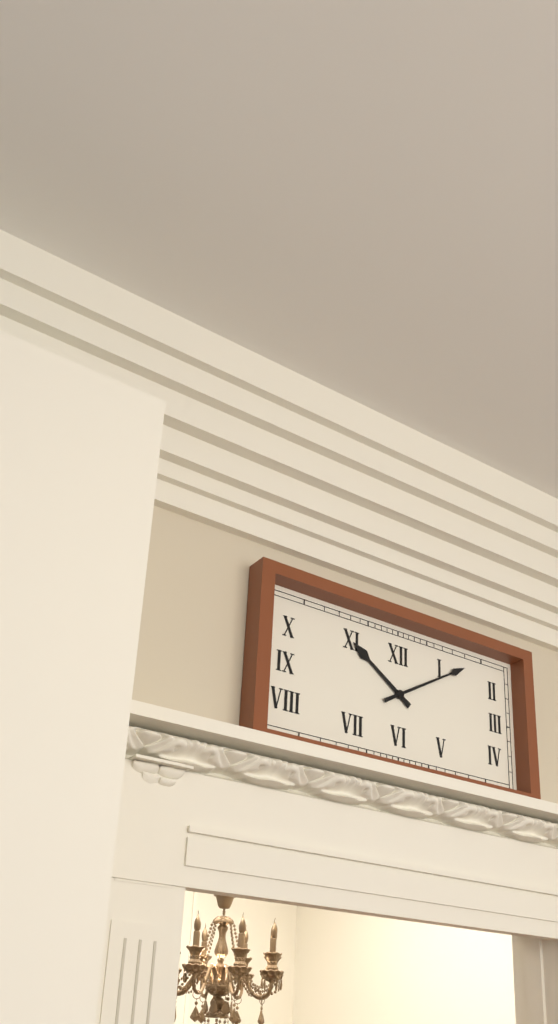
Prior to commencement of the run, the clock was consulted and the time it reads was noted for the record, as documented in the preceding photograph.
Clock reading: 10:10
